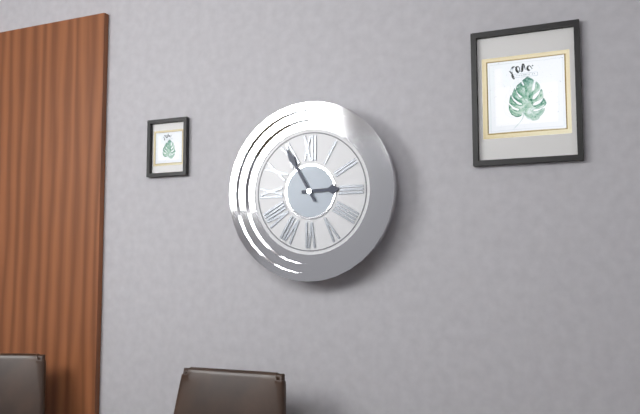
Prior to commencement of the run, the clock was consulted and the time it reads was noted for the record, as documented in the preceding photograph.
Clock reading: 2:55
